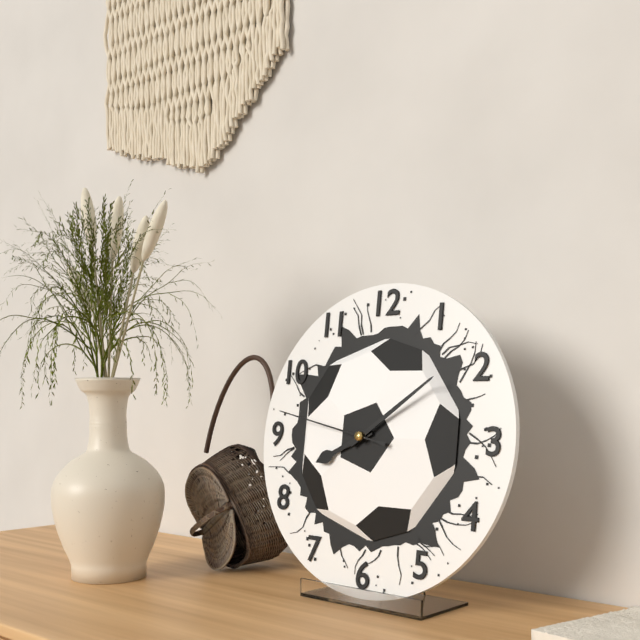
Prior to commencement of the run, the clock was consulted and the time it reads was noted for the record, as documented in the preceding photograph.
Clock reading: 8:09:47
